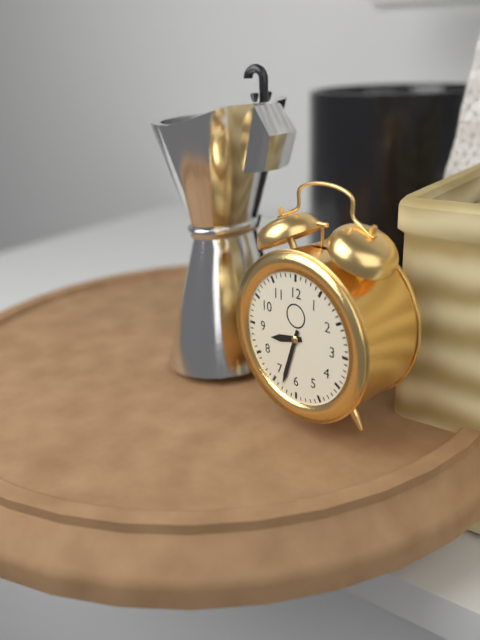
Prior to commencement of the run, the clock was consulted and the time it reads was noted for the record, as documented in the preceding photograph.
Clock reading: 8:33
